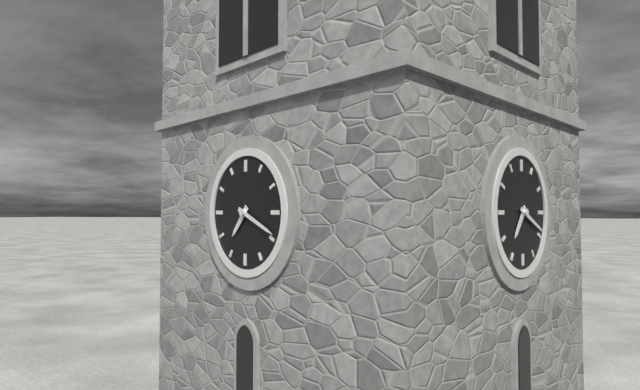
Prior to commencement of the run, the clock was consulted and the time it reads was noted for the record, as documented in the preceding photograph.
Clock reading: 7:19
